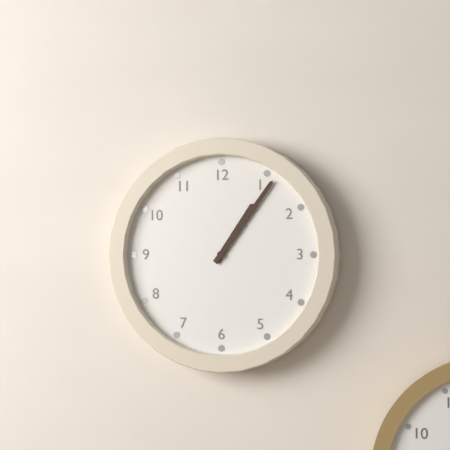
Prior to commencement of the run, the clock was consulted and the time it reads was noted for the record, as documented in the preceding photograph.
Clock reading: 1:06
